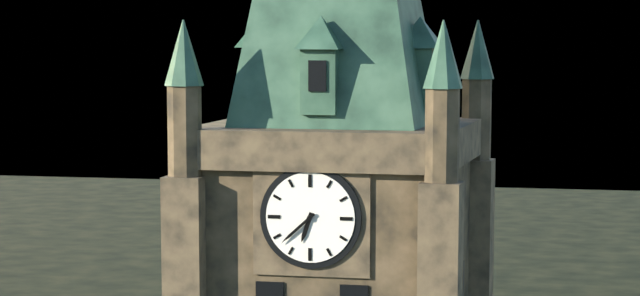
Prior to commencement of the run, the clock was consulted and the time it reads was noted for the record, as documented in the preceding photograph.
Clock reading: 6:38
